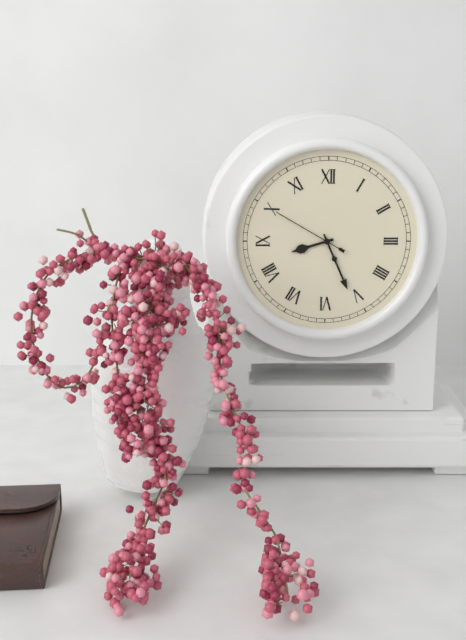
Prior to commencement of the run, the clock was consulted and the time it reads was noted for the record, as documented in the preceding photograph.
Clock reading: 8:26:50
